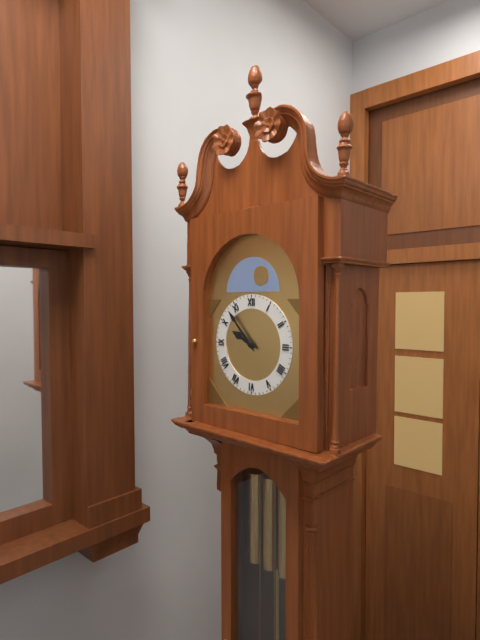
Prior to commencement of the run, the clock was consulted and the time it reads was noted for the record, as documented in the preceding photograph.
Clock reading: 9:53
